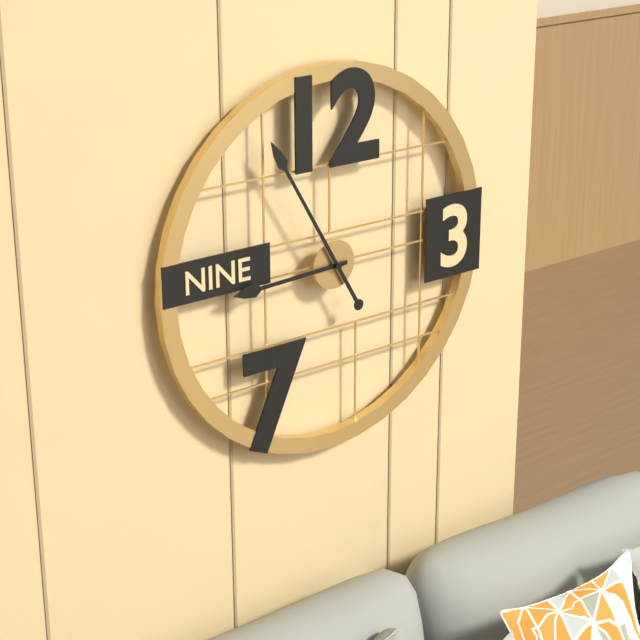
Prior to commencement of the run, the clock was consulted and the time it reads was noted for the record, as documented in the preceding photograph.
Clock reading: 8:55
